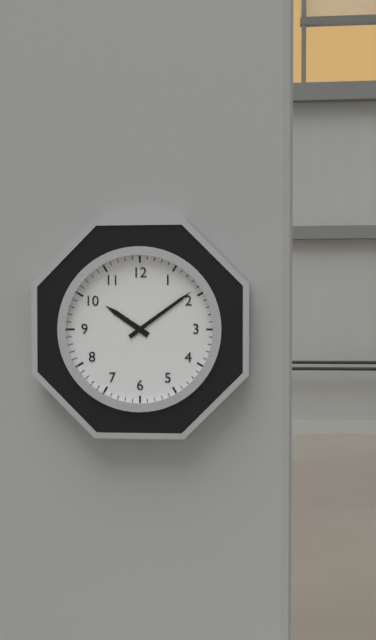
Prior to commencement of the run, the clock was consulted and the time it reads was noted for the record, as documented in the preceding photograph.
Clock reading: 10:09
